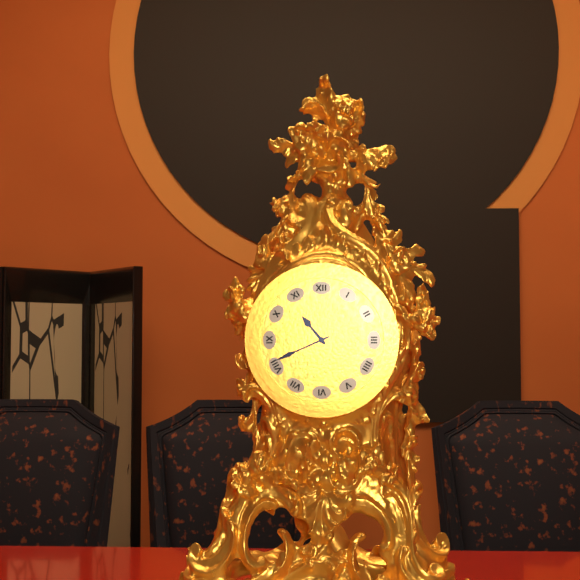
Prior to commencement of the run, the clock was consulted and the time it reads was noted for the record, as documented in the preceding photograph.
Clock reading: 10:41
